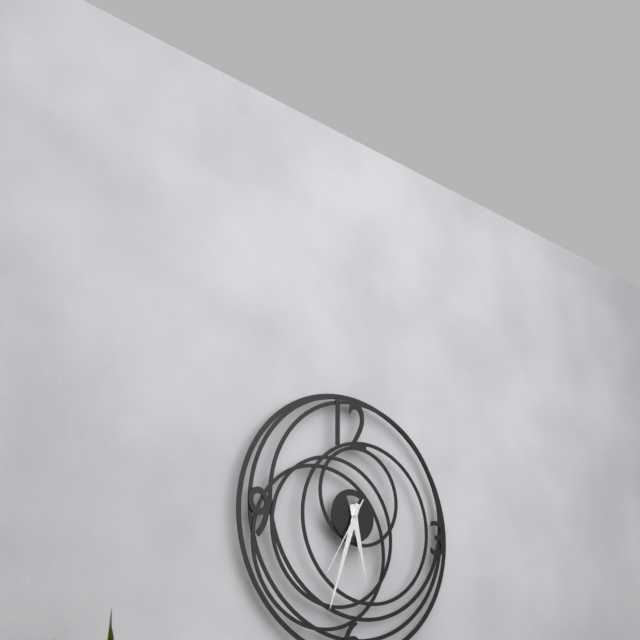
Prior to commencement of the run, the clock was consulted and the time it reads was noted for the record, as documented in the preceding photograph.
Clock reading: 5:33:35
